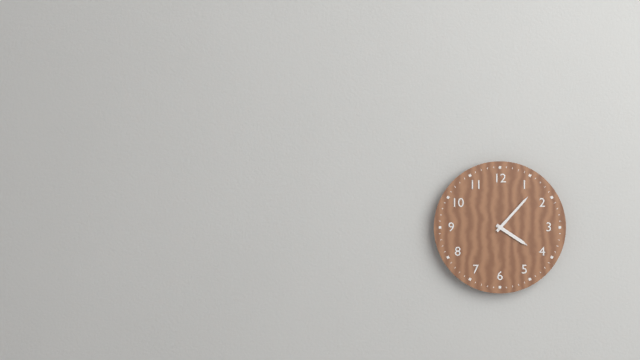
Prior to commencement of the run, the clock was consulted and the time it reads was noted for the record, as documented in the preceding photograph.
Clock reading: 4:07
